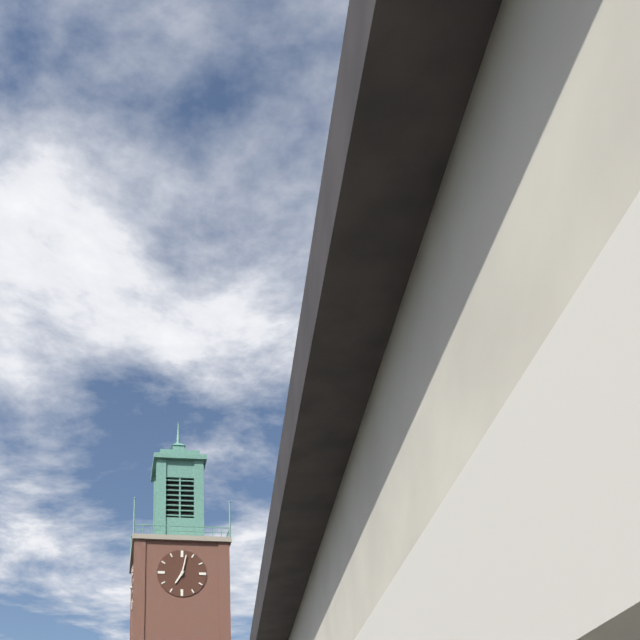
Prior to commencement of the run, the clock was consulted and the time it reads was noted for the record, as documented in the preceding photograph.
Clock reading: 7:02
